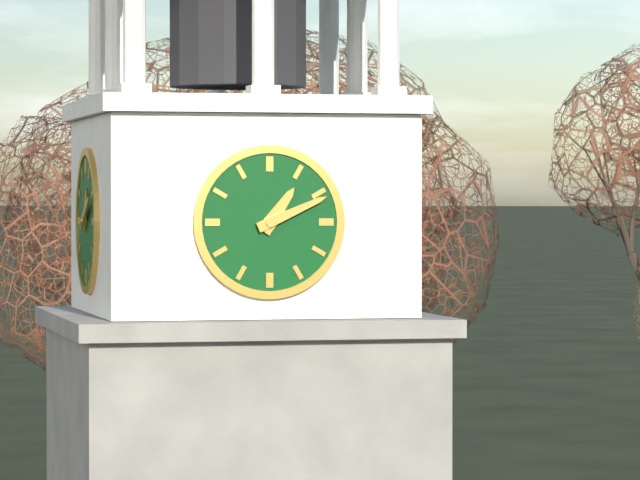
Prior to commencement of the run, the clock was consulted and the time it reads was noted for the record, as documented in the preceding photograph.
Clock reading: 1:11
